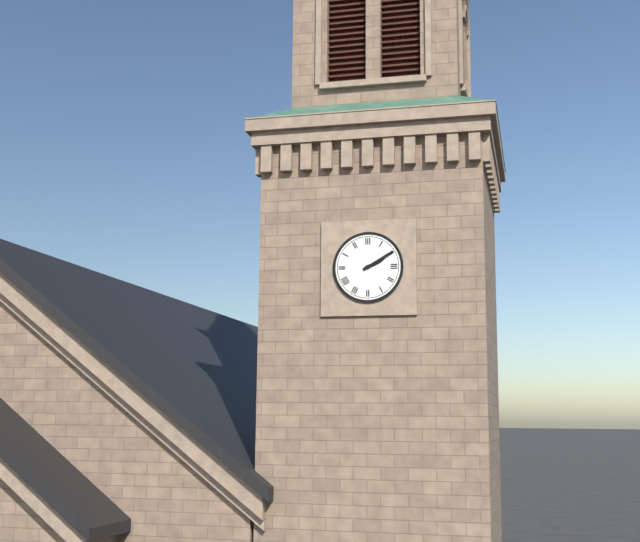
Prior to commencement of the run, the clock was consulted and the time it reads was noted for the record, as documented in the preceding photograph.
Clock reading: 2:10
